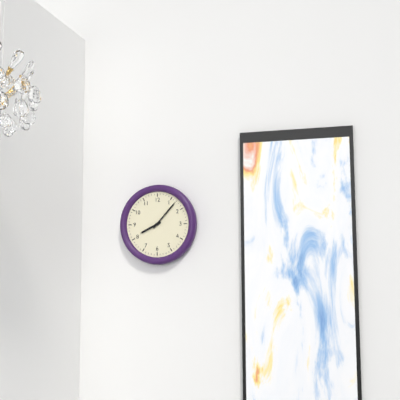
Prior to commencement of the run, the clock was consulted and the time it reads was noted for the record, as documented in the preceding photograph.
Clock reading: 8:07
